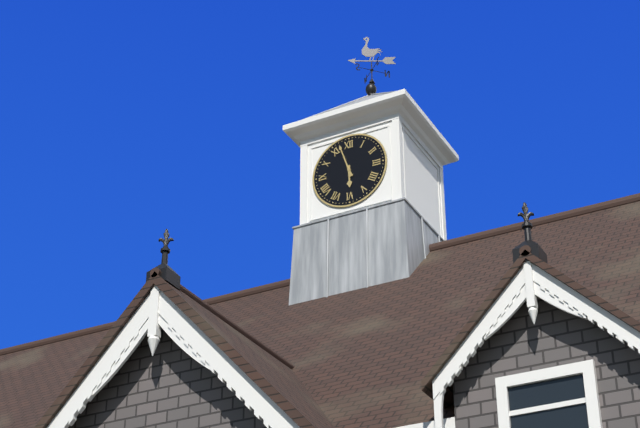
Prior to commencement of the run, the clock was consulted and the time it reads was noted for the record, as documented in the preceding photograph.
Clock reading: 5:57
